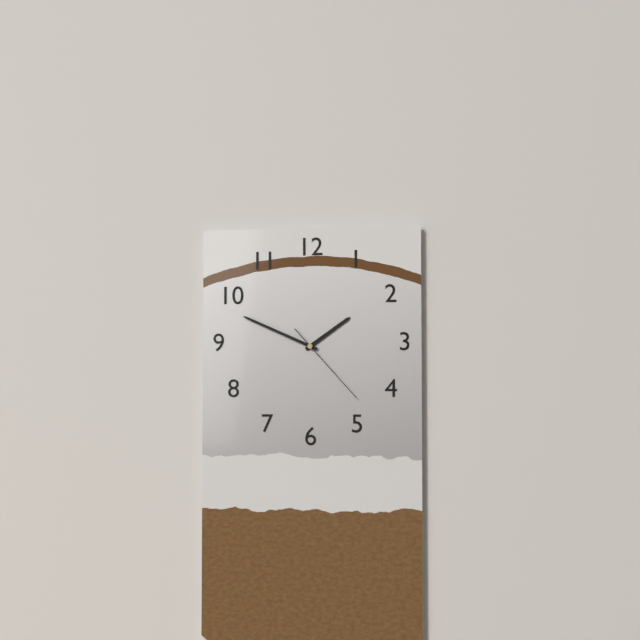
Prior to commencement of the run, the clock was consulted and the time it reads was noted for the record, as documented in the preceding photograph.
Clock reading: 1:49:23
